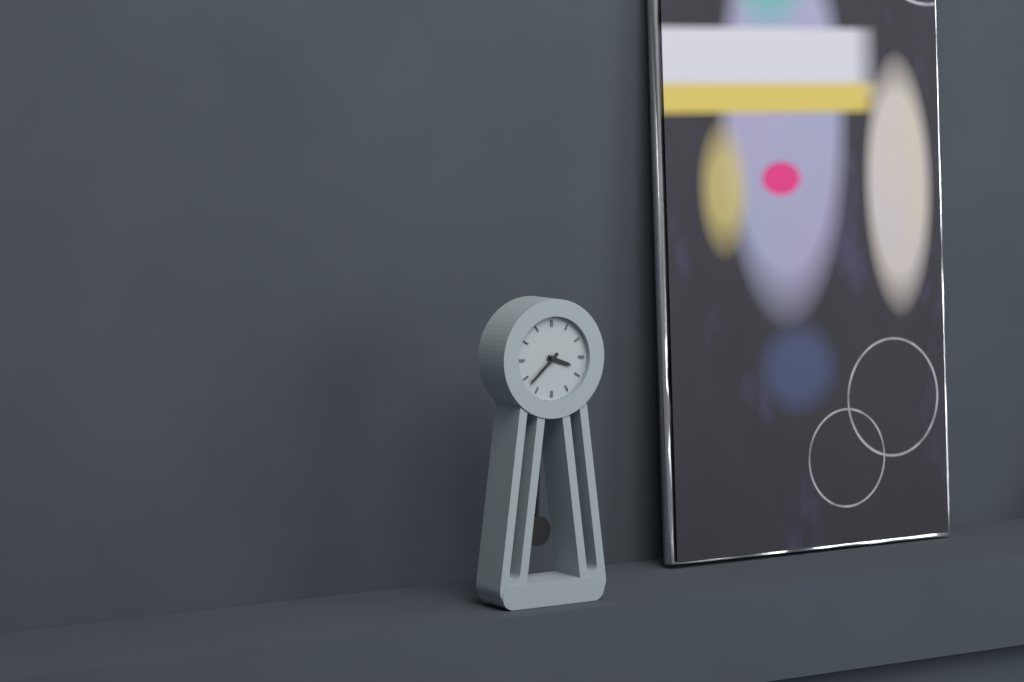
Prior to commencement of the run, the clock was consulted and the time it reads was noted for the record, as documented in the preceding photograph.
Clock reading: 3:38
